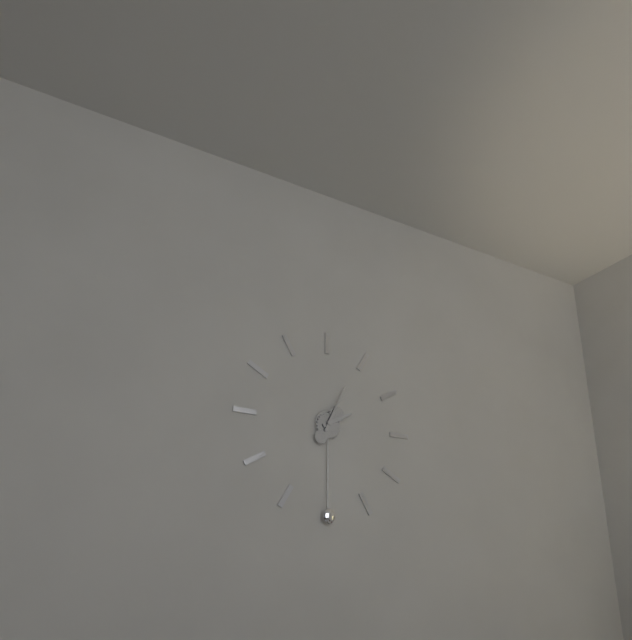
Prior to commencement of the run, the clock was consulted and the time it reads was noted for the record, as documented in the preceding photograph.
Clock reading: 2:04
